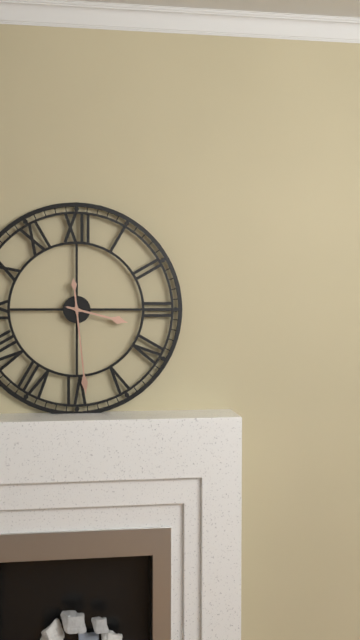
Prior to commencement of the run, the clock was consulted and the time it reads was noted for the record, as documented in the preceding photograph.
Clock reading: 3:29
